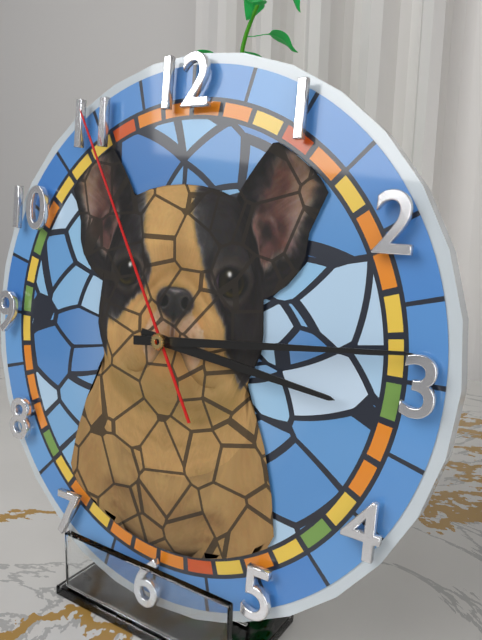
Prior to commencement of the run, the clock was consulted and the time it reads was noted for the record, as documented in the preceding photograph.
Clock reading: 3:14:55
